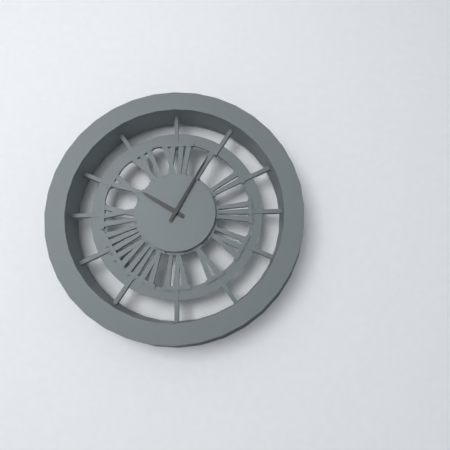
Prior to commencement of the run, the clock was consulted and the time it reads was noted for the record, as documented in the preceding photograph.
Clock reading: 10:05
